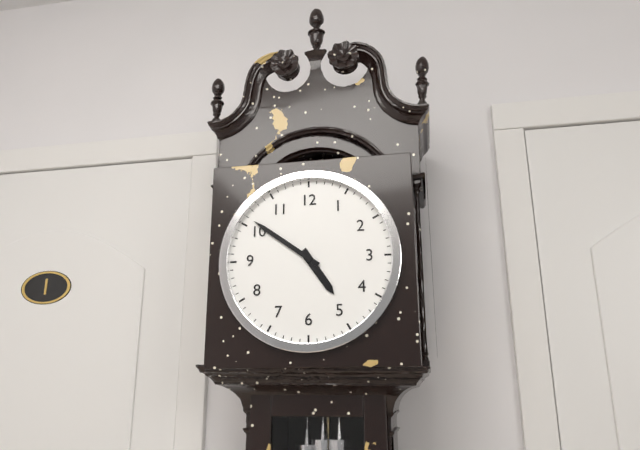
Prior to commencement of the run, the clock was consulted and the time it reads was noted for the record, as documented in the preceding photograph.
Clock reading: 4:51
